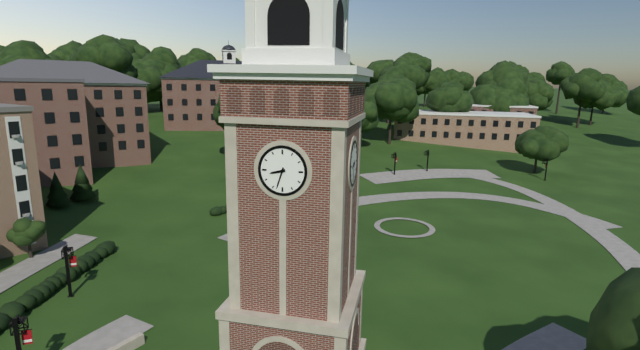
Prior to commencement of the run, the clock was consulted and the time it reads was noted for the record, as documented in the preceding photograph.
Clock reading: 8:33
